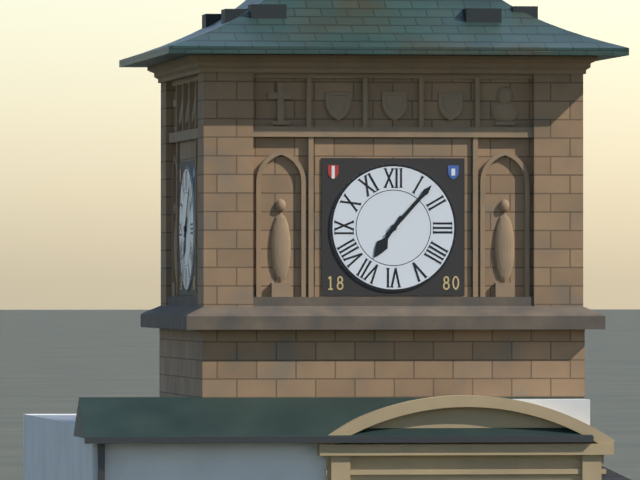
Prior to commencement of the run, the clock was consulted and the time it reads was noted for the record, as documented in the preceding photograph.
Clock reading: 7:07
